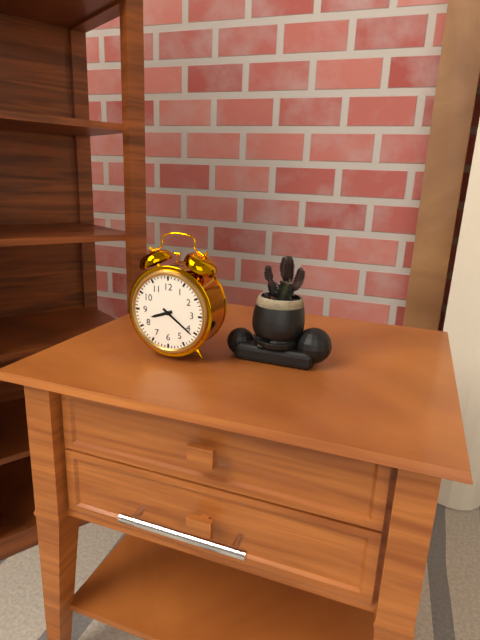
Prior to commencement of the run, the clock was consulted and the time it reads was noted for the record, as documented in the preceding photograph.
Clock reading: 8:21
